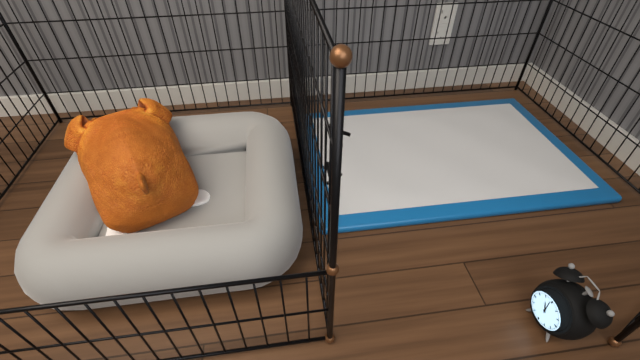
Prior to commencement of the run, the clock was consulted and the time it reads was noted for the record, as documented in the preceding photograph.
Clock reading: 10:59
